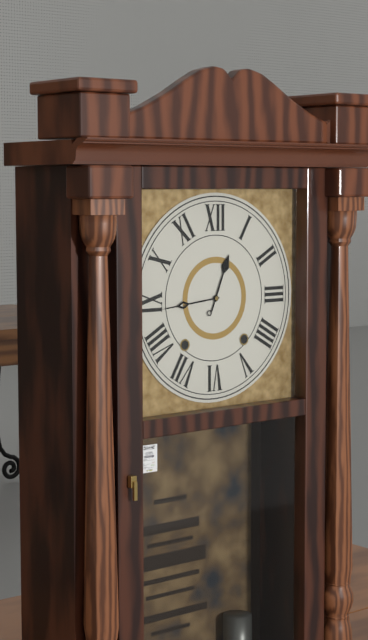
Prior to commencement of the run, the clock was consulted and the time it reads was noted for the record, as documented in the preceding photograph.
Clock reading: 12:44
